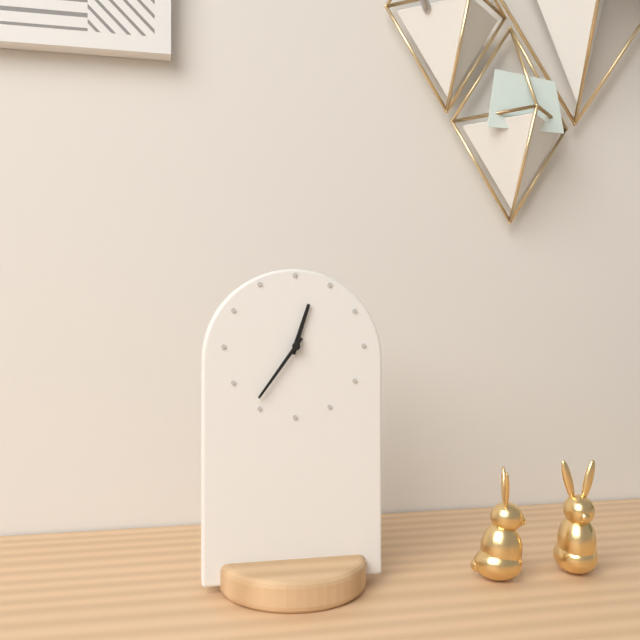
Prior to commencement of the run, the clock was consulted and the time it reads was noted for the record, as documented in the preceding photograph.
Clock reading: 12:36
